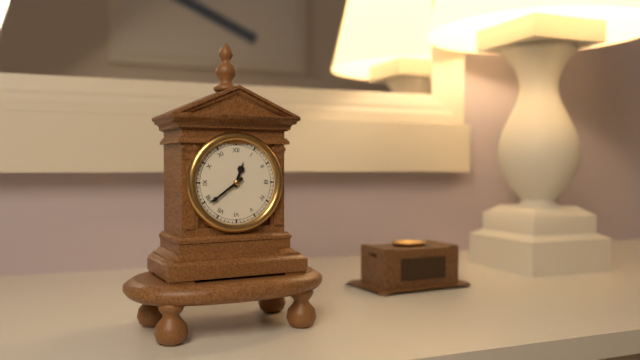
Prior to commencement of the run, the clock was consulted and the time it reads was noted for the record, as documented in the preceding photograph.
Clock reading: 12:39
